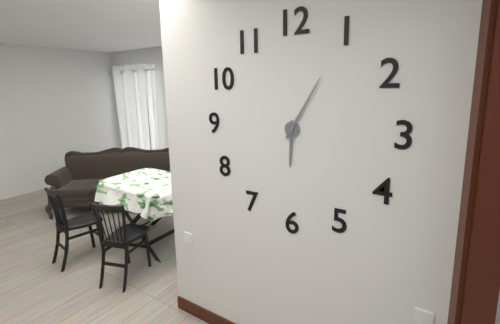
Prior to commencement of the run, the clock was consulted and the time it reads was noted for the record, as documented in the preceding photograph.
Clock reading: 6:05
